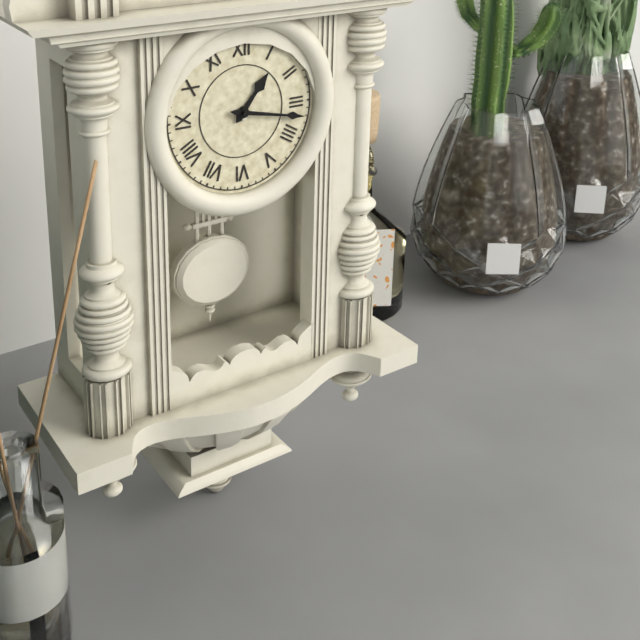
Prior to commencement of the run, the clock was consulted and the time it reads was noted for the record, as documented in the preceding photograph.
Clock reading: 1:17
